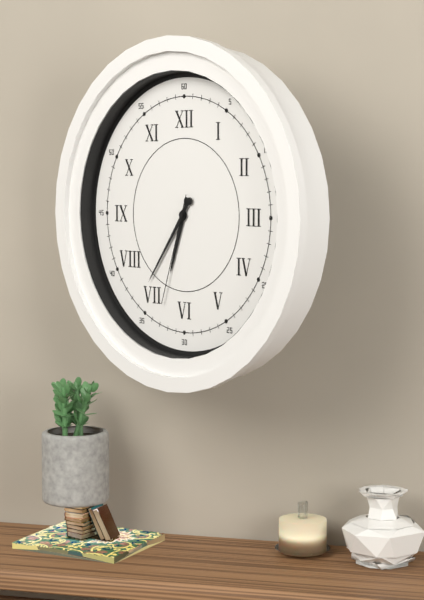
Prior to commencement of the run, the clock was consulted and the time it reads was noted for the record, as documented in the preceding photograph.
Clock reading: 6:36:33
